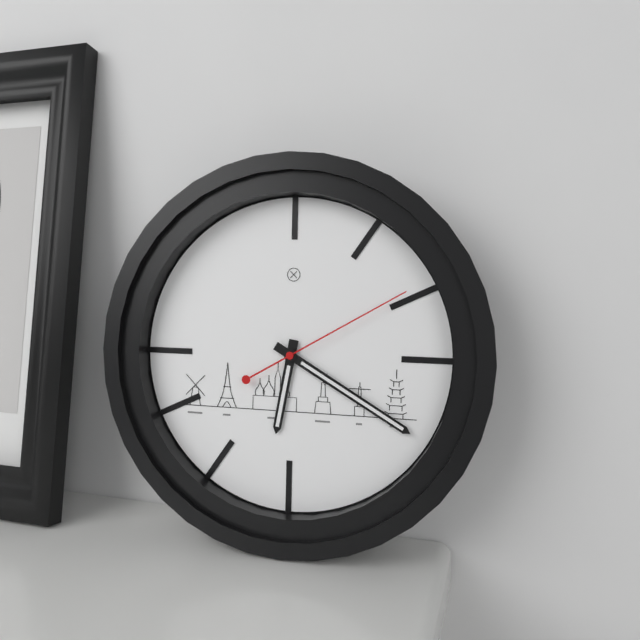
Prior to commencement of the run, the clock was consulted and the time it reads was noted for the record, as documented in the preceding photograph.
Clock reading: 6:20:10
